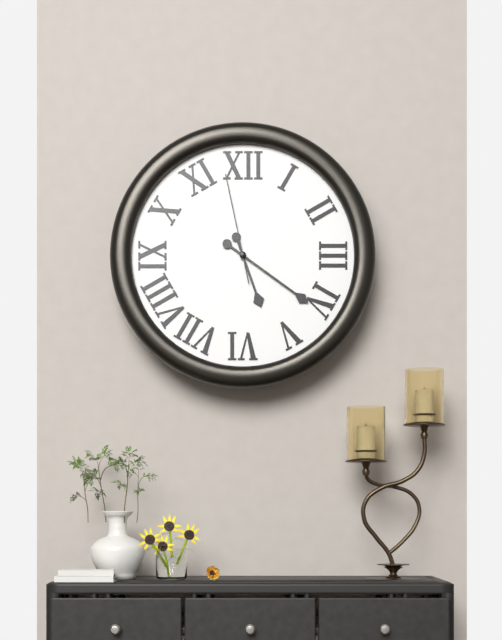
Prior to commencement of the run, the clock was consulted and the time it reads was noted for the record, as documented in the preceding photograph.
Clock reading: 5:21:58
